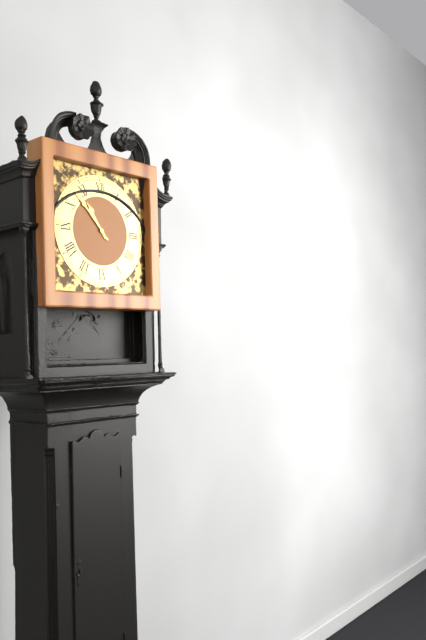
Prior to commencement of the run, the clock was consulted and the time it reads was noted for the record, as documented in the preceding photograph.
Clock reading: 10:53
